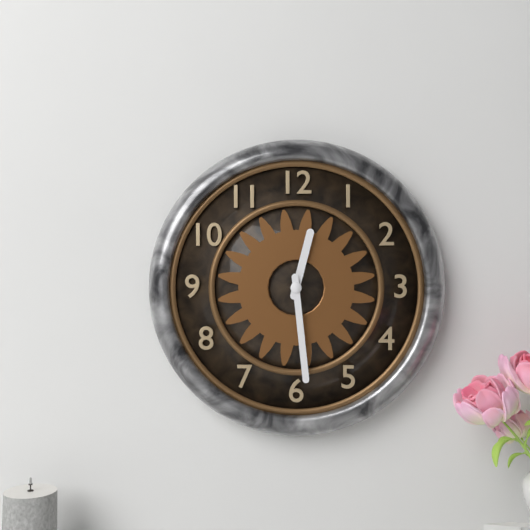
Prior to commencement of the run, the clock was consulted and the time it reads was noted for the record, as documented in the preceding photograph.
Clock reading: 12:29
